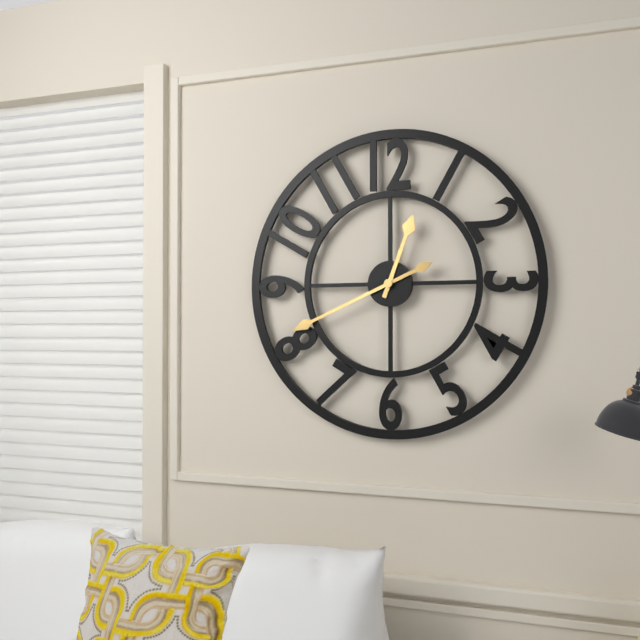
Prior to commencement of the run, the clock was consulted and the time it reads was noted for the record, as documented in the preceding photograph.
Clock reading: 12:41
